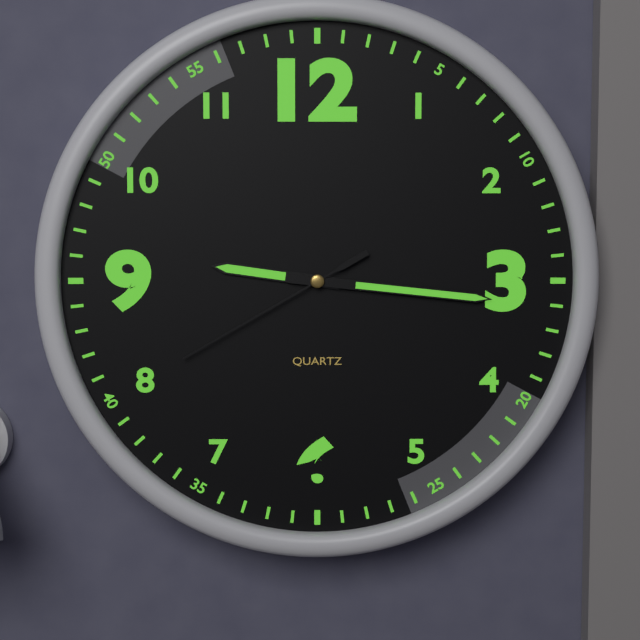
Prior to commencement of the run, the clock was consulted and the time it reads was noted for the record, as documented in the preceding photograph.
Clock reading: 9:16:40
